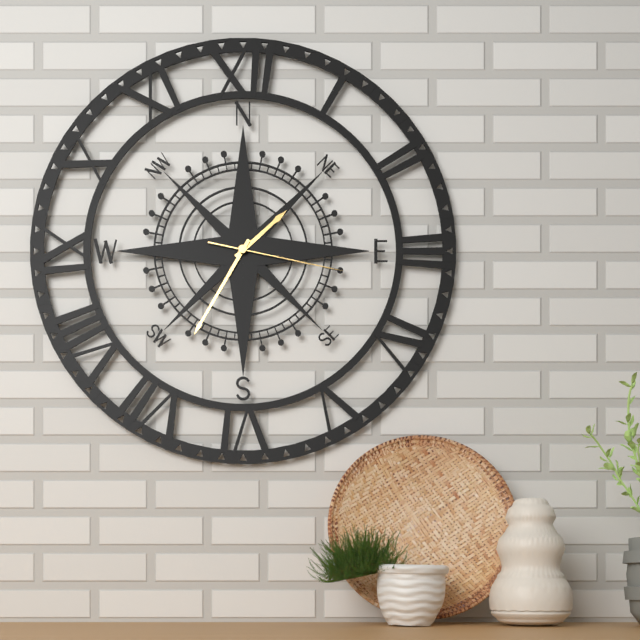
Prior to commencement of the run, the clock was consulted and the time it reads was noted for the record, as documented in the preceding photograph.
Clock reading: 1:35:17
